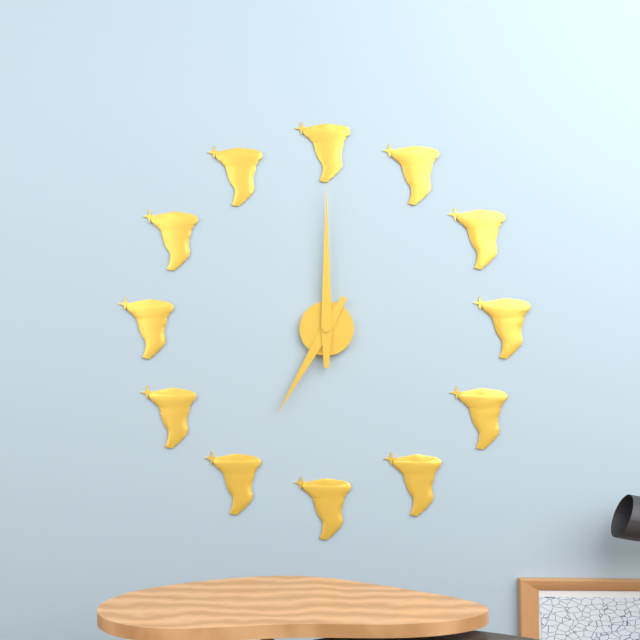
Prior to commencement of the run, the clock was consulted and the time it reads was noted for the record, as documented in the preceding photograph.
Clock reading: 7:00
